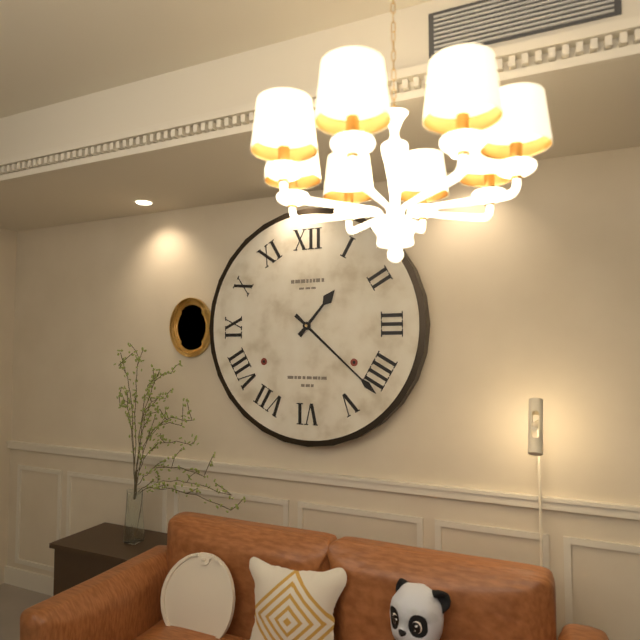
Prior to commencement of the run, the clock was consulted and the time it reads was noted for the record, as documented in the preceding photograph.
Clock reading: 1:22
